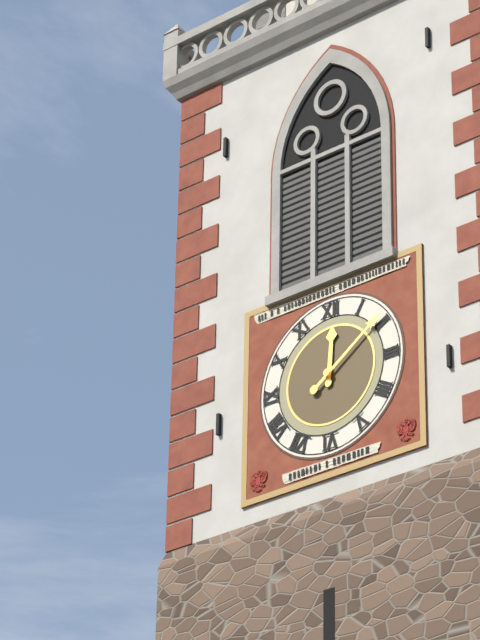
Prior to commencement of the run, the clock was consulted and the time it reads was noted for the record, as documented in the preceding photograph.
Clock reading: 12:09
